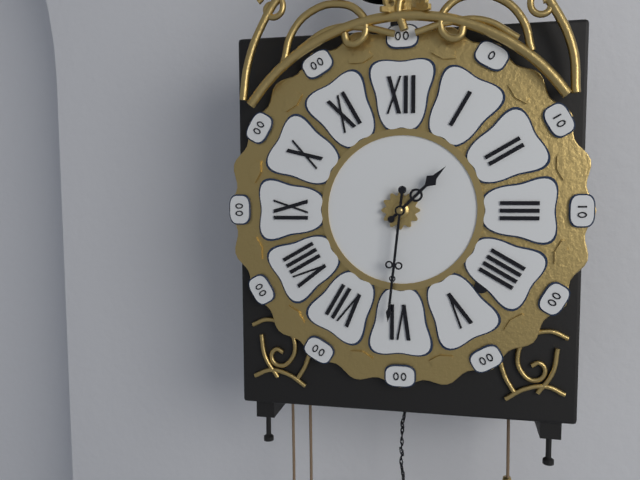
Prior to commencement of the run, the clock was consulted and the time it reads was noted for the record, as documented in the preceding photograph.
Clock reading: 1:31
